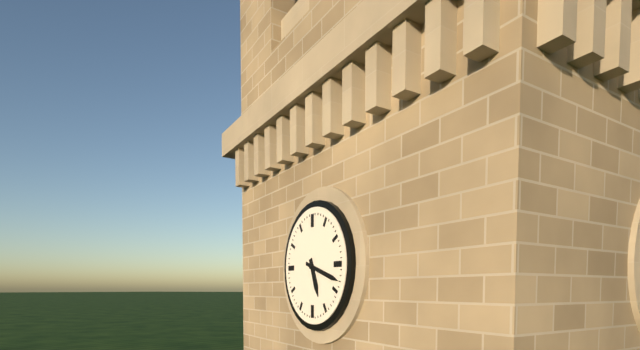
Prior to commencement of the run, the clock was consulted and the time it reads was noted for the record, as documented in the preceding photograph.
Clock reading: 5:18
